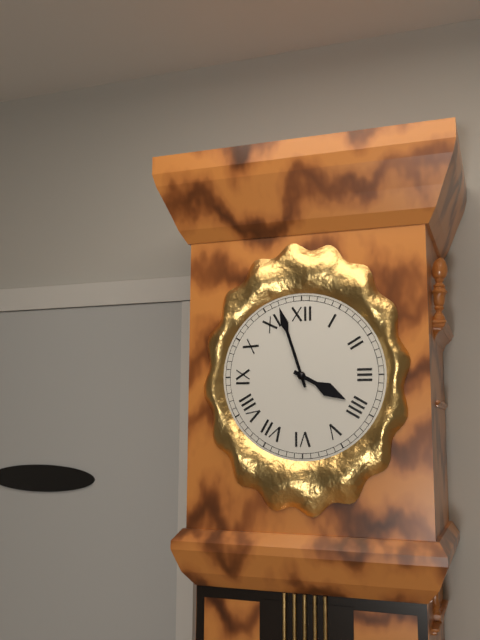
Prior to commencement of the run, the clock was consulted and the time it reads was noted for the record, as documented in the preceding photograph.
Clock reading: 3:57
